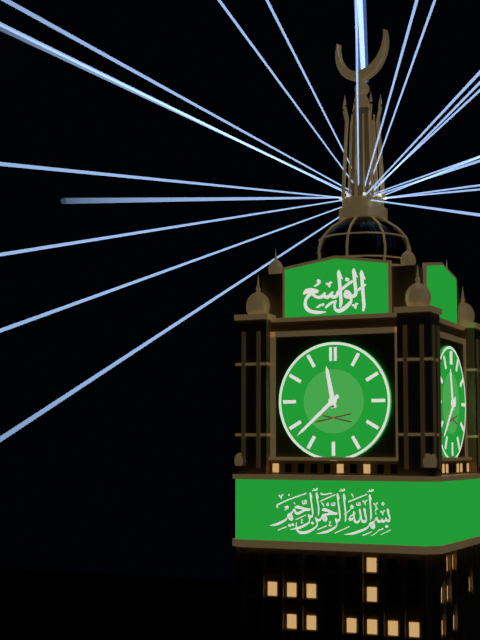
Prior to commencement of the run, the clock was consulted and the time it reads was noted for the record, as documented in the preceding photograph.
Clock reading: 11:38
